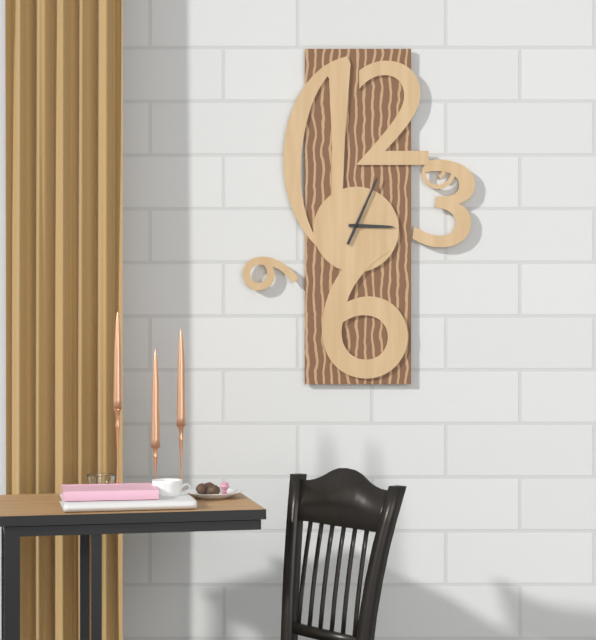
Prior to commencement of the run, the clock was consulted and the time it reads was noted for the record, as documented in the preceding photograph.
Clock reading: 3:04
